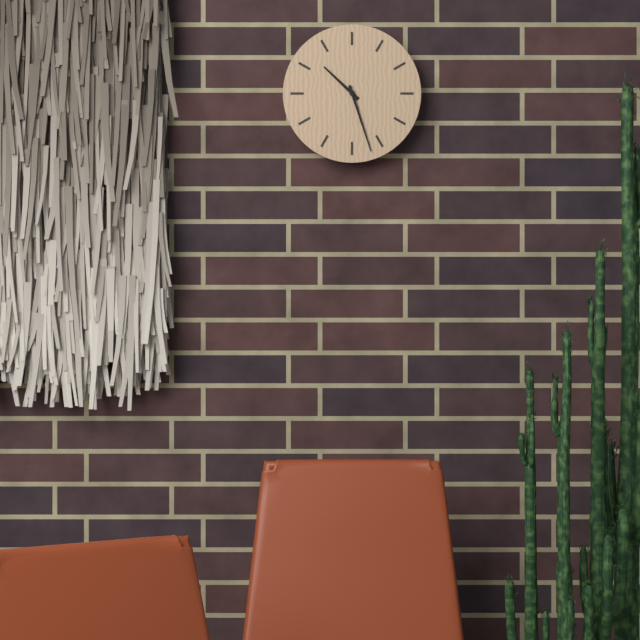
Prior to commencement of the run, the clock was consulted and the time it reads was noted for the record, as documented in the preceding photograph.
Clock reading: 10:27
